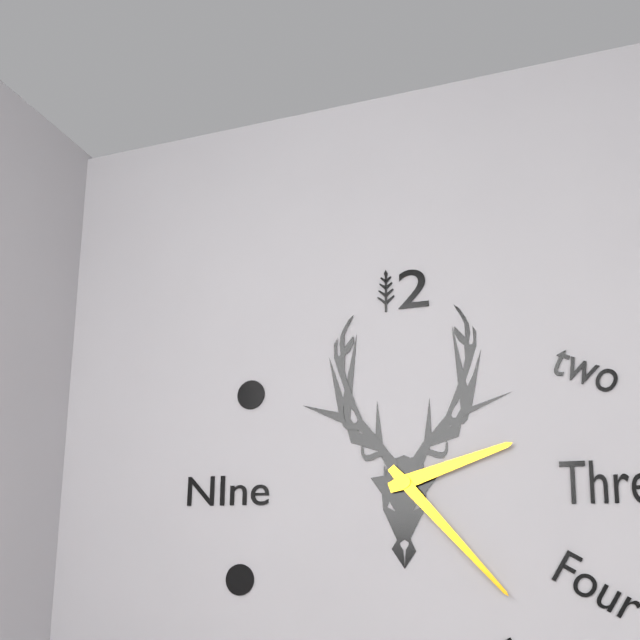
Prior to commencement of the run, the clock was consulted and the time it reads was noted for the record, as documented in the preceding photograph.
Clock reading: 2:23
